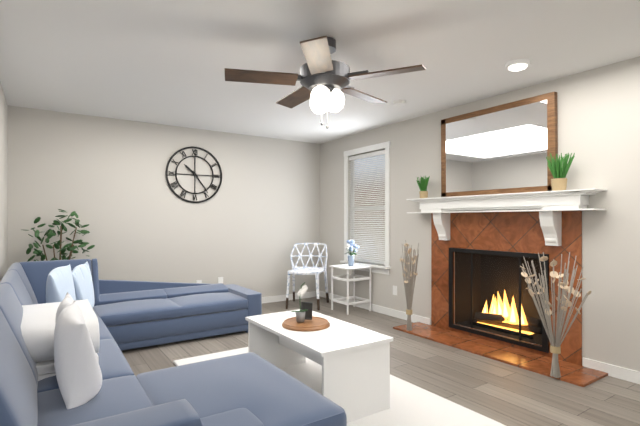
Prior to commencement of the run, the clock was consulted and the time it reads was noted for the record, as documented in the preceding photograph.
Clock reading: 10:24
